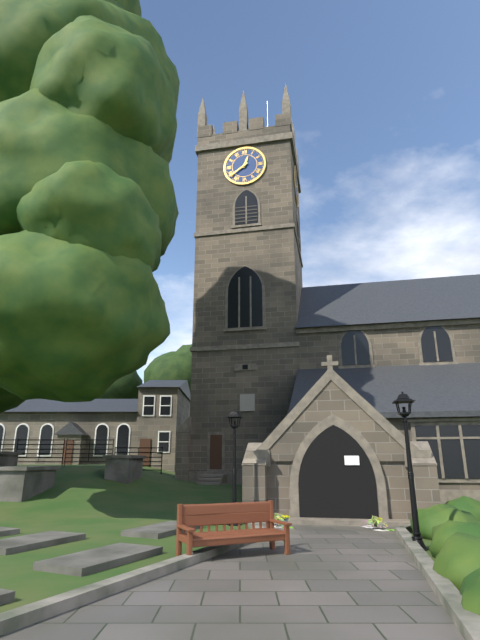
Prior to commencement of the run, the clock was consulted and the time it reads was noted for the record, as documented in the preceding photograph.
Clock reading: 12:39
